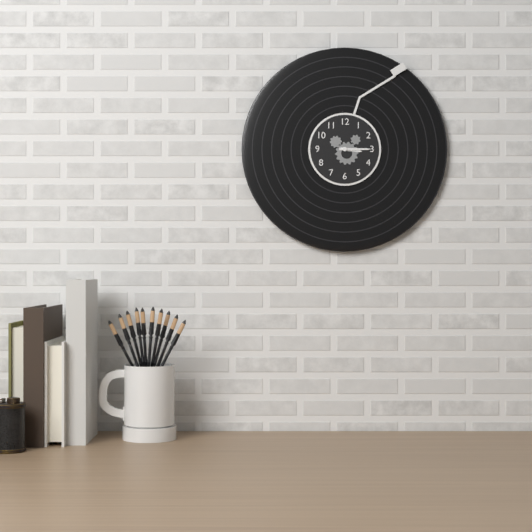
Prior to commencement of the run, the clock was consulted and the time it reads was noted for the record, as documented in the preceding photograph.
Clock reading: 3:15
